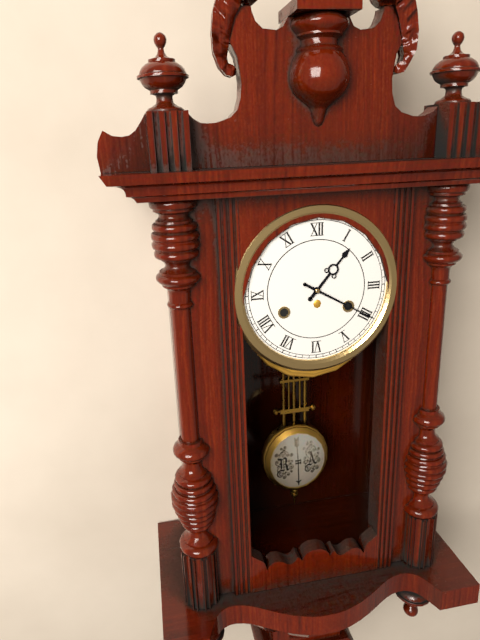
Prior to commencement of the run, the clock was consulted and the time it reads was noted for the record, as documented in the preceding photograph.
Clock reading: 1:20
